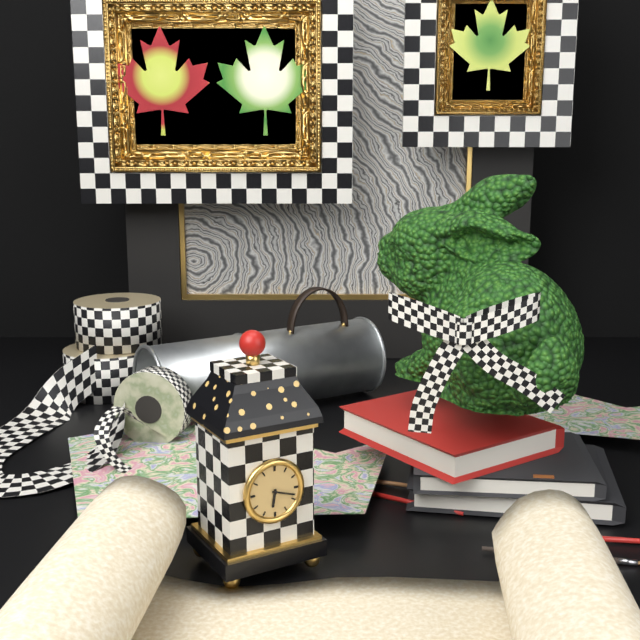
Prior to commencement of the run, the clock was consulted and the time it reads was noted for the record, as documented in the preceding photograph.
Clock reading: 6:18
